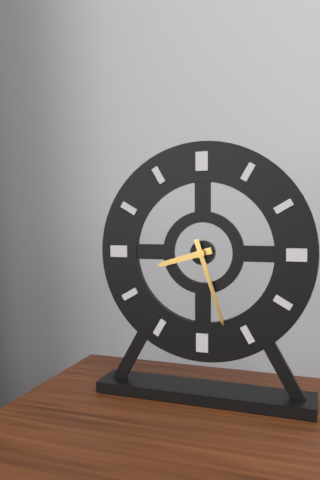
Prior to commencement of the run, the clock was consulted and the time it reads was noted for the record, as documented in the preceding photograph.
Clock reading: 8:27
